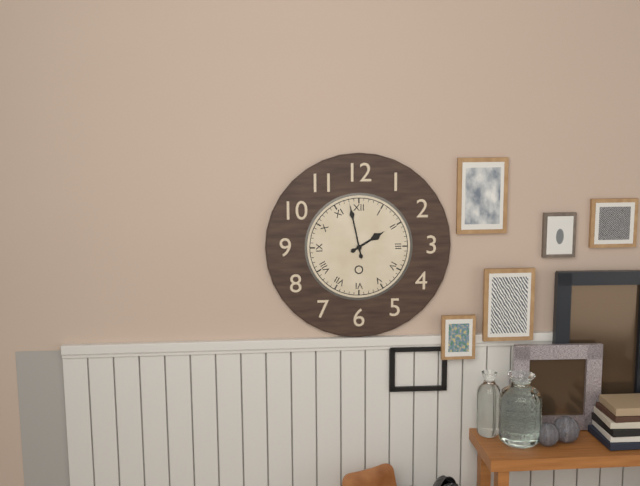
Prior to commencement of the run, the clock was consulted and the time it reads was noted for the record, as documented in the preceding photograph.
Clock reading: 1:58
